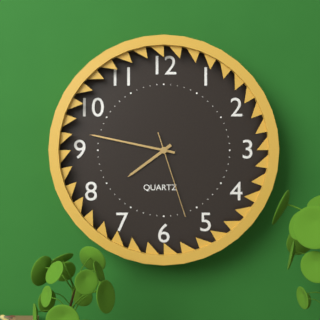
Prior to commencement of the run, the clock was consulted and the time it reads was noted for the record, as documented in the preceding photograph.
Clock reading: 7:47:27
